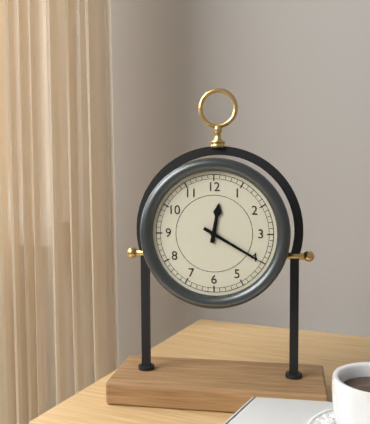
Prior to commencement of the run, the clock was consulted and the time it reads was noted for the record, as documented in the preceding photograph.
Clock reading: 12:20
